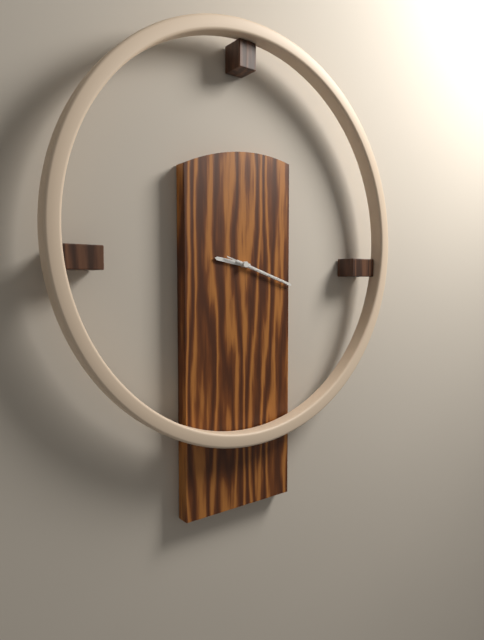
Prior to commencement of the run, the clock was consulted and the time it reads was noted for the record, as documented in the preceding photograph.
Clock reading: 9:18:18
